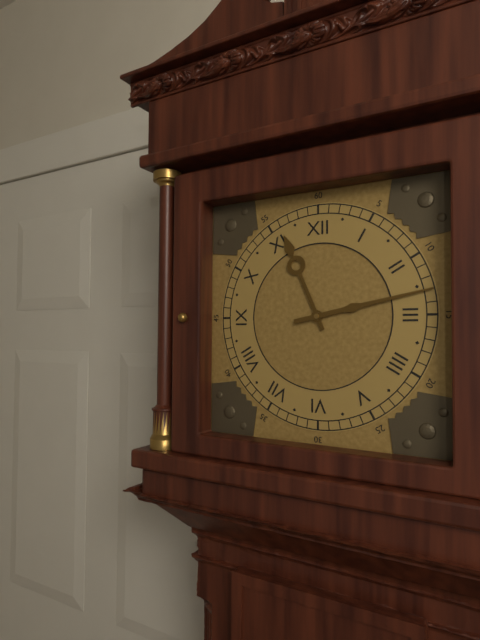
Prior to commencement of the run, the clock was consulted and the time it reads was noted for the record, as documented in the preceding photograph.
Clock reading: 11:13
